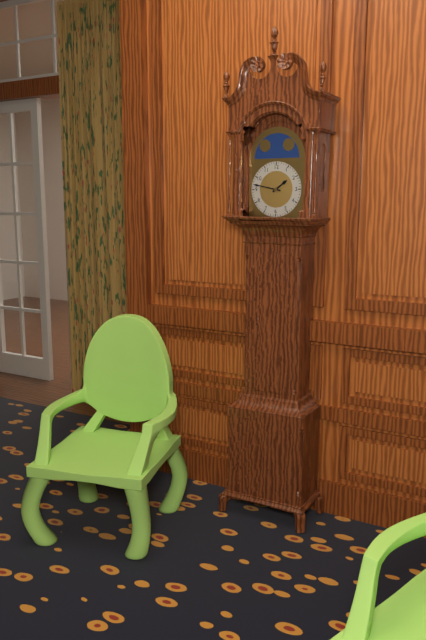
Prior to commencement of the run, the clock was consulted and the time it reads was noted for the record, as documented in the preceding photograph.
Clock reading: 1:47
